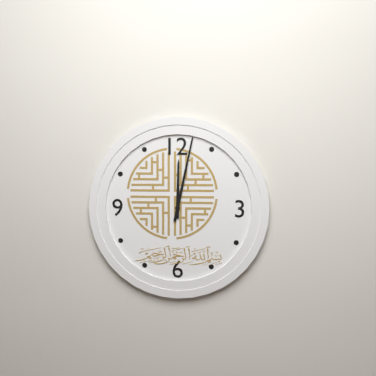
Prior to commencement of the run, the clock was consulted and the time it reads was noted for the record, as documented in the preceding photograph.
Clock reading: 12:02
